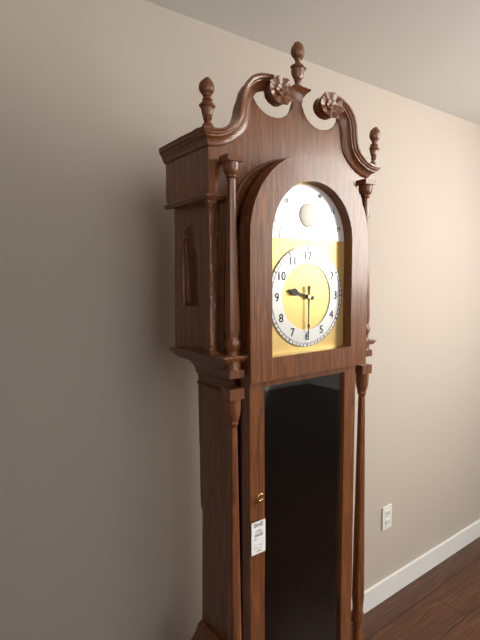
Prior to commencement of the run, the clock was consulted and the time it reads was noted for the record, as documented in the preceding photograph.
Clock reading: 9:30
